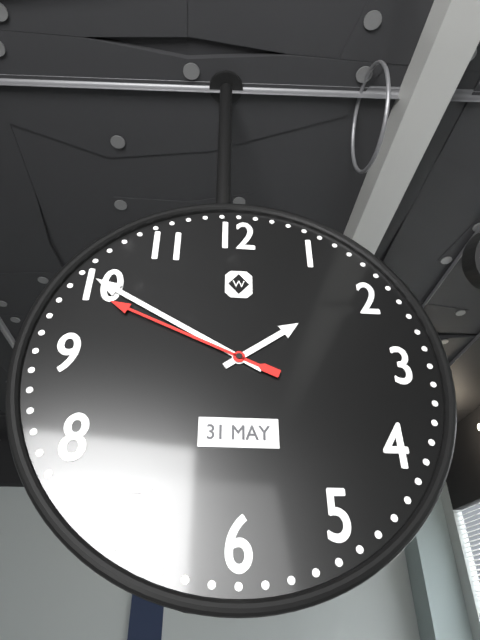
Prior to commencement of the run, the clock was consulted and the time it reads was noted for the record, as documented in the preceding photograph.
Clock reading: 1:50:49
